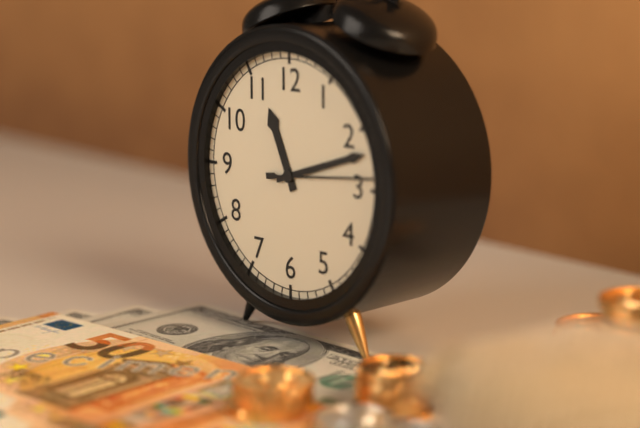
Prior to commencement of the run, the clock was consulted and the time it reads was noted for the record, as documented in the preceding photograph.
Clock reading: 11:12
